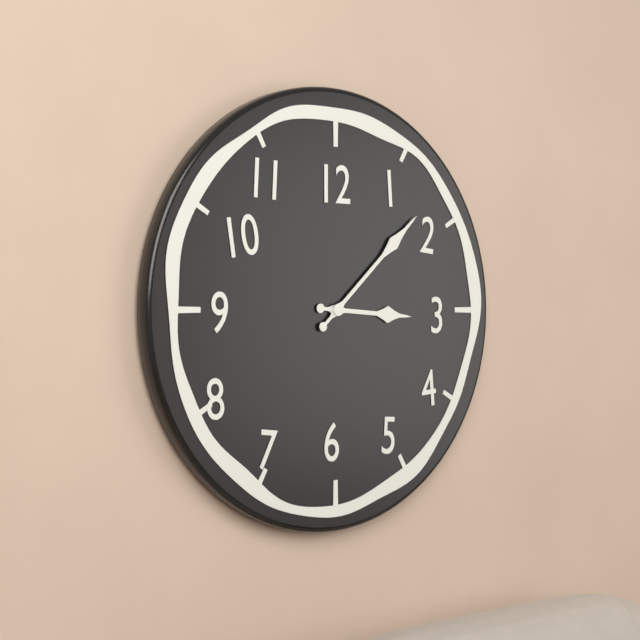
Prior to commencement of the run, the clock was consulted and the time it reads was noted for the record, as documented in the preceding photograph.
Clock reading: 3:08
